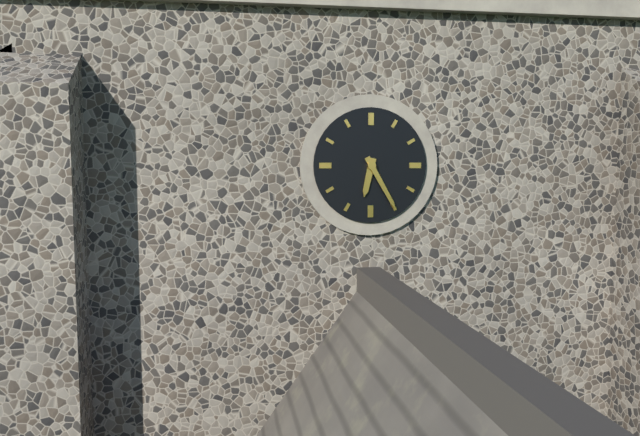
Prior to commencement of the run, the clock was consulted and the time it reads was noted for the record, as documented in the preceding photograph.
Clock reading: 6:25
